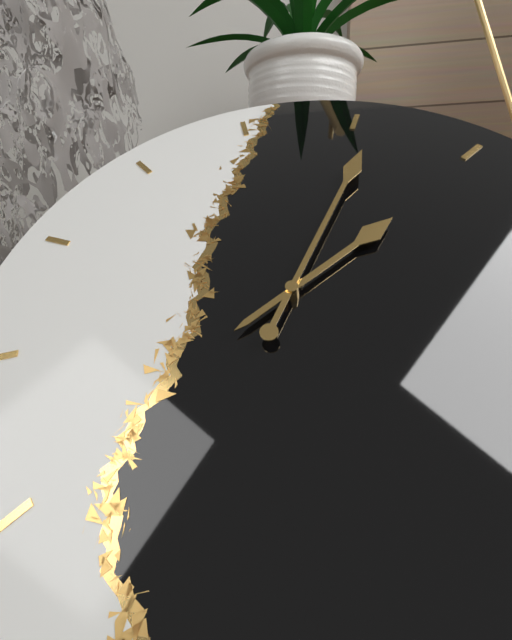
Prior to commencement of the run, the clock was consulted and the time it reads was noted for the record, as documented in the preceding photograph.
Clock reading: 2:06
